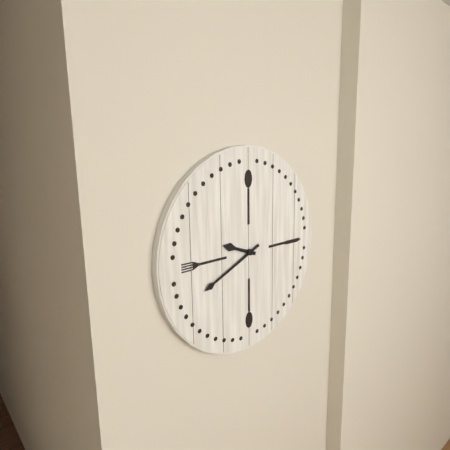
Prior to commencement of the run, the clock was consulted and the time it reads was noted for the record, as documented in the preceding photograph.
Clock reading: 9:41
